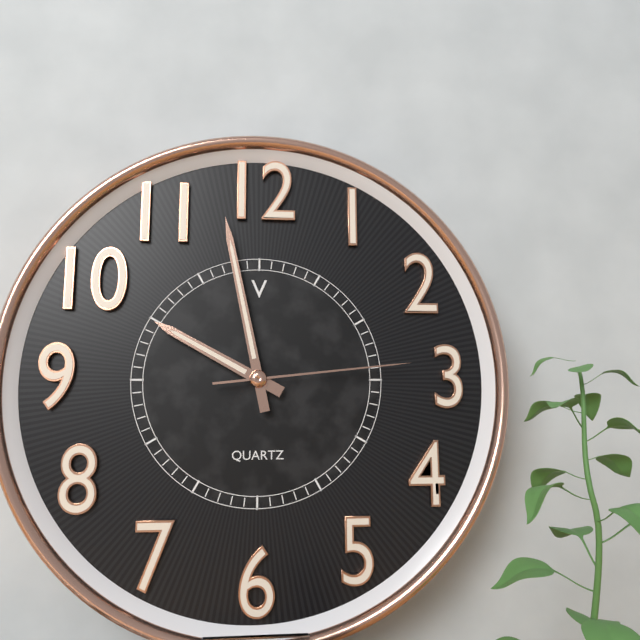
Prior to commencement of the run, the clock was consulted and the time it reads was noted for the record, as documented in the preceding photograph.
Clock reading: 9:58:14
